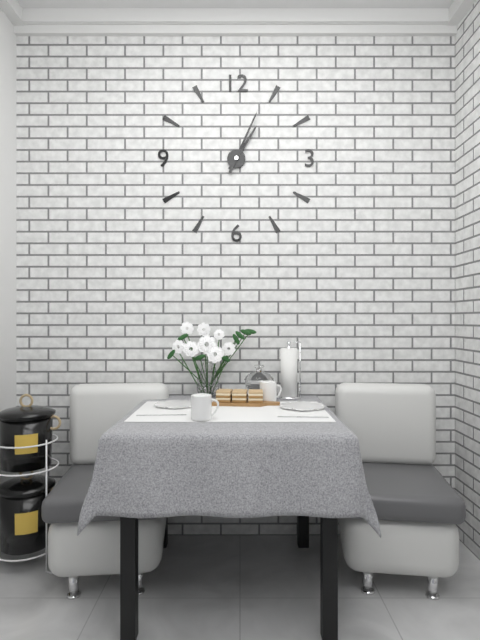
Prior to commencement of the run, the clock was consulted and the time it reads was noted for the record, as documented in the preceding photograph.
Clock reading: 1:04
